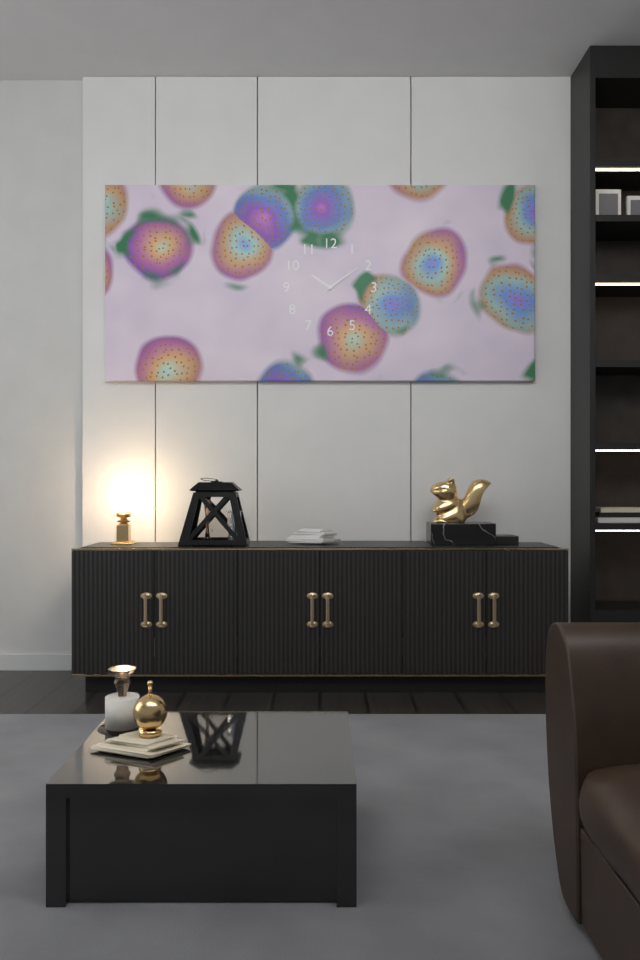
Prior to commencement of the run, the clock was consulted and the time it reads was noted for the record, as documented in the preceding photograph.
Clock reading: 10:09
